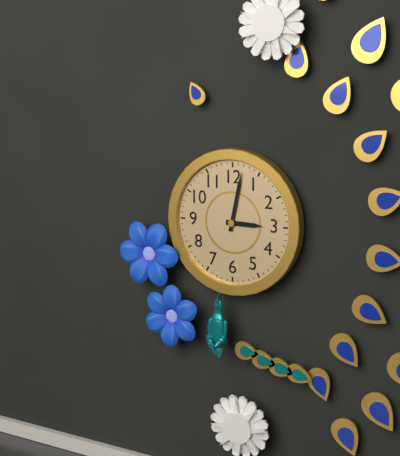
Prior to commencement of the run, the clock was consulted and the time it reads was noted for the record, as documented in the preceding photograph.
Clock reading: 3:02
